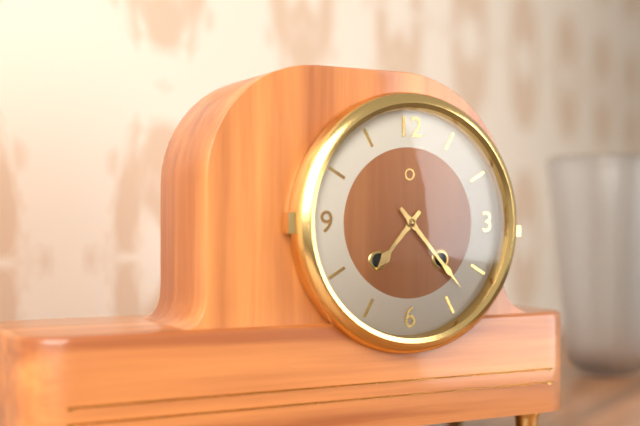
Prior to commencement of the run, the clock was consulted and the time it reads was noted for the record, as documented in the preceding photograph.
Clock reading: 7:23
